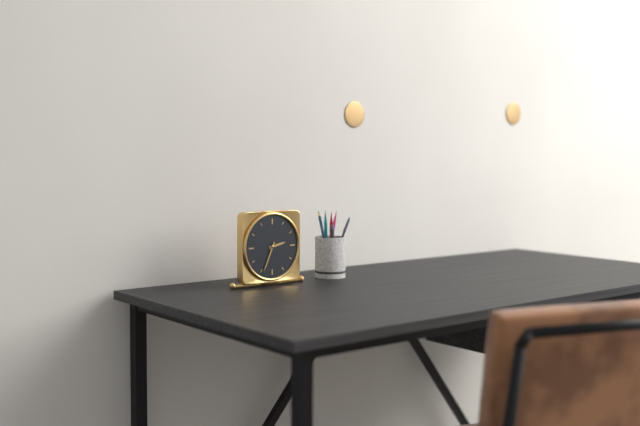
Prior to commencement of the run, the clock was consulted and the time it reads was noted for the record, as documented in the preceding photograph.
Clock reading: 2:34
